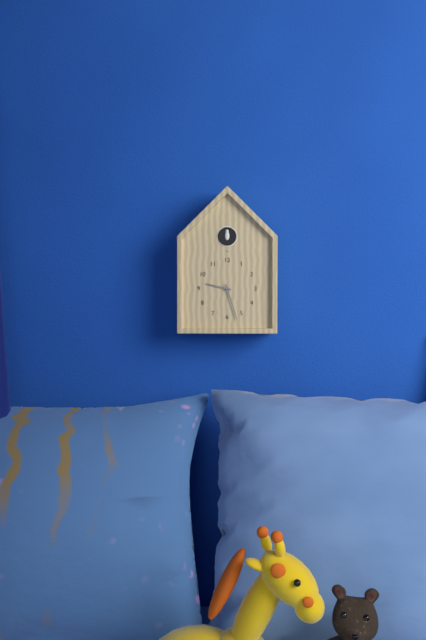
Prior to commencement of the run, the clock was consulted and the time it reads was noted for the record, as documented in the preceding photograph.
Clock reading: 9:27
